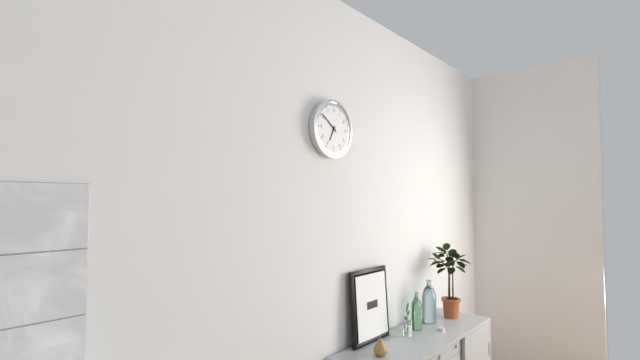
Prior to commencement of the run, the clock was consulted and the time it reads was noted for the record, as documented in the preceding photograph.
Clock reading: 6:51
